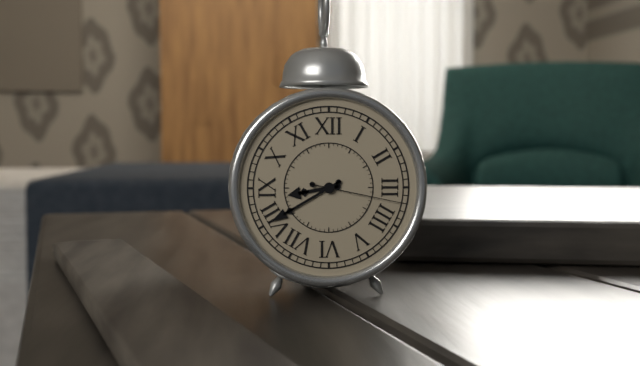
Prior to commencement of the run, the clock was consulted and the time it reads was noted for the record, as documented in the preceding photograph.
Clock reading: 8:40:17
